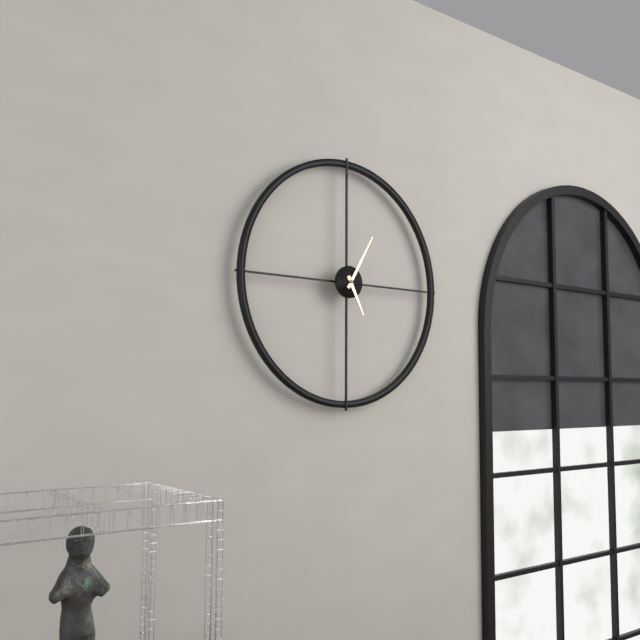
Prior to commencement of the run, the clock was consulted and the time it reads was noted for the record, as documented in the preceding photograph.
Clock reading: 5:05
